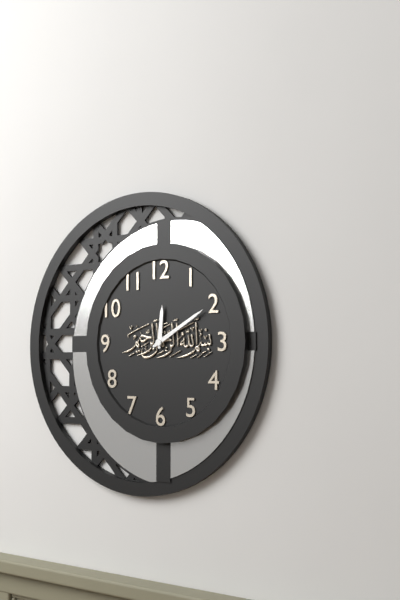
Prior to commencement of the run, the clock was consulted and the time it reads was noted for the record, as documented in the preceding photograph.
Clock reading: 12:10
